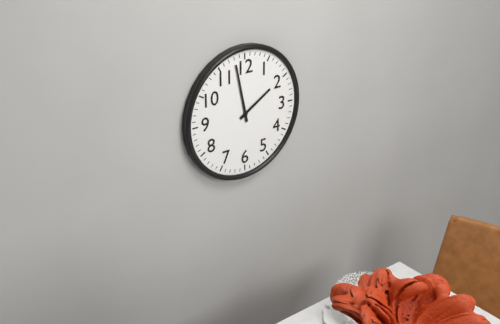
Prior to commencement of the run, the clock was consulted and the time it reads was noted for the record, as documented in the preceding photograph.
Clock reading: 1:58
